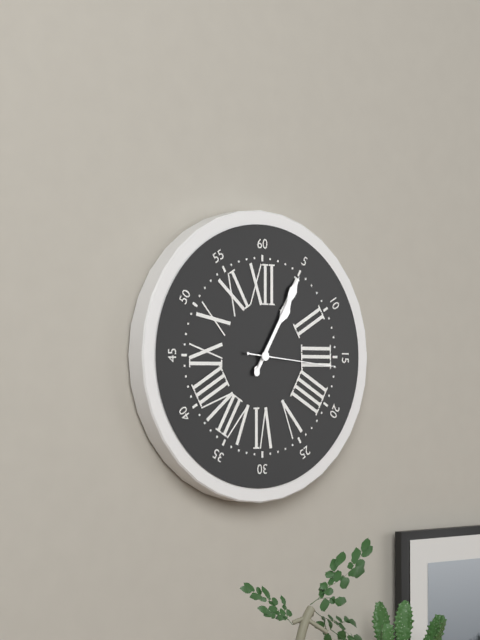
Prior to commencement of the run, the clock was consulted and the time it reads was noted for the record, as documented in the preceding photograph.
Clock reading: 1:05:16
